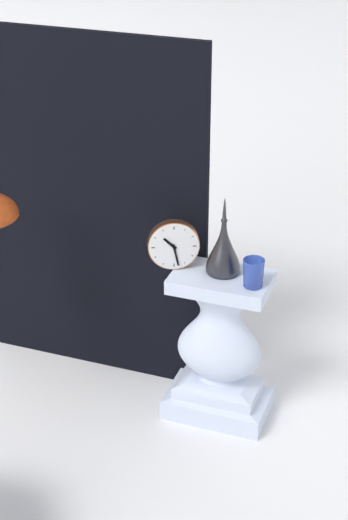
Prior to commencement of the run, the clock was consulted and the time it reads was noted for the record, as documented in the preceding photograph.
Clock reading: 10:28
